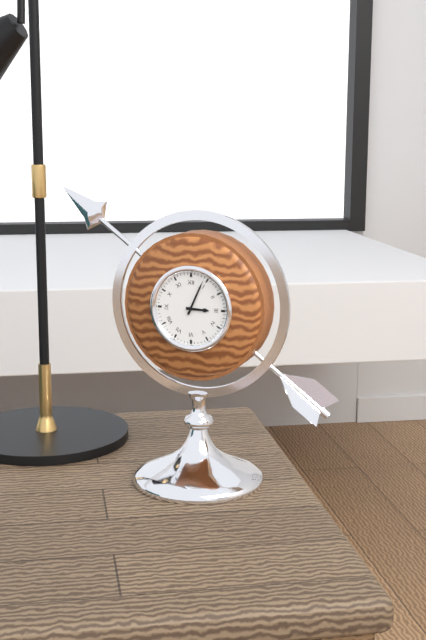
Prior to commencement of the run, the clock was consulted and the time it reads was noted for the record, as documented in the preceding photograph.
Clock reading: 3:04
